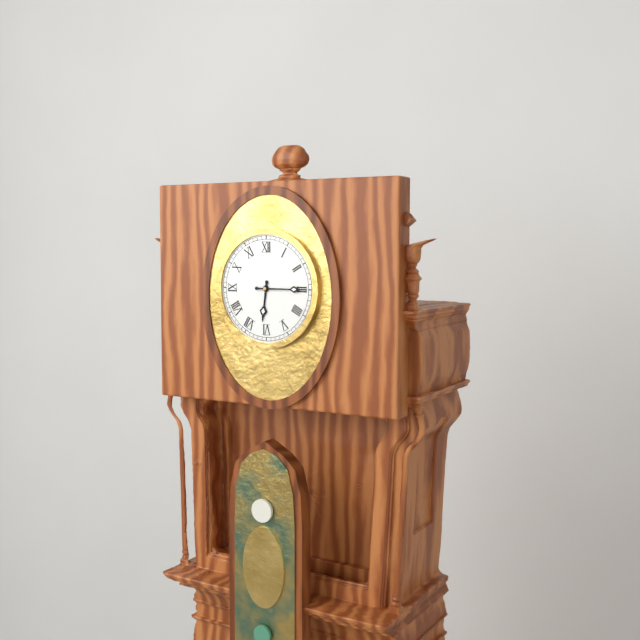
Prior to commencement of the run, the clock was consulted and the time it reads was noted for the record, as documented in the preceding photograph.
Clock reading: 6:15
